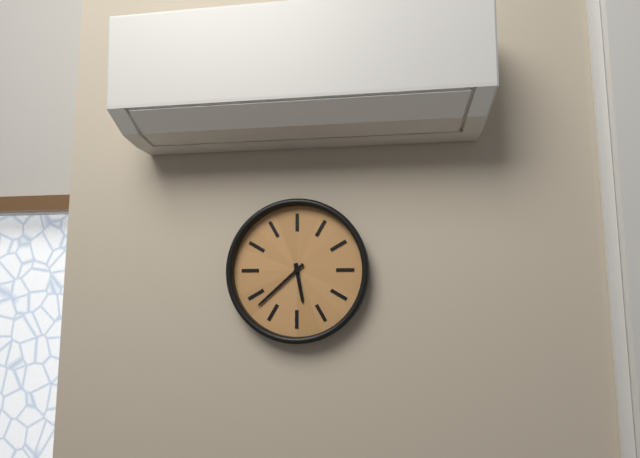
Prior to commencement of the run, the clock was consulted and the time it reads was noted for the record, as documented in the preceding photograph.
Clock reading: 5:38
